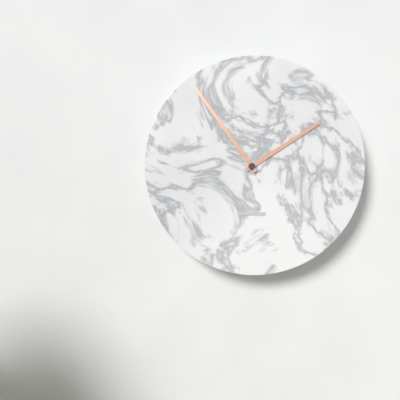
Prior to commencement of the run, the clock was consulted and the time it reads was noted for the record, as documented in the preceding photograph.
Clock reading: 1:54
